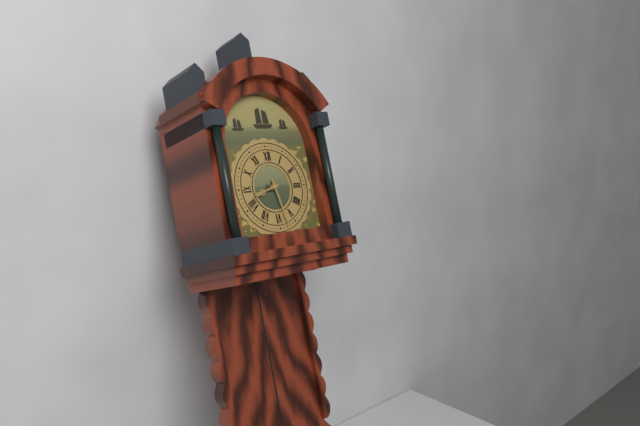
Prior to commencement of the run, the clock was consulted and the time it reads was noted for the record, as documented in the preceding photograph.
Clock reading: 8:28
